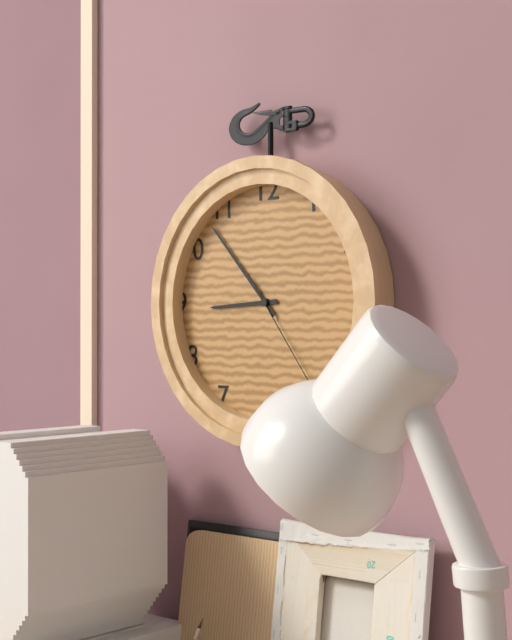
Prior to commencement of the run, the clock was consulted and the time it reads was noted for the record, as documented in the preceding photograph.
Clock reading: 8:53:24
